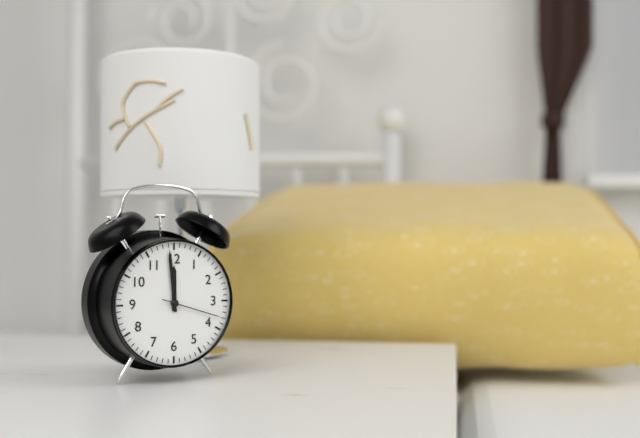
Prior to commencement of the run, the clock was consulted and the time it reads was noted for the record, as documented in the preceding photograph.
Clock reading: 11:59:18
